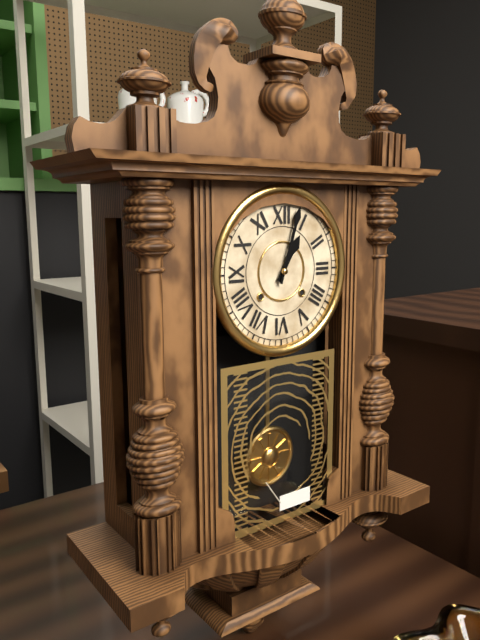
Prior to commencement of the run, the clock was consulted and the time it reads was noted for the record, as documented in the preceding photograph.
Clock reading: 1:03
